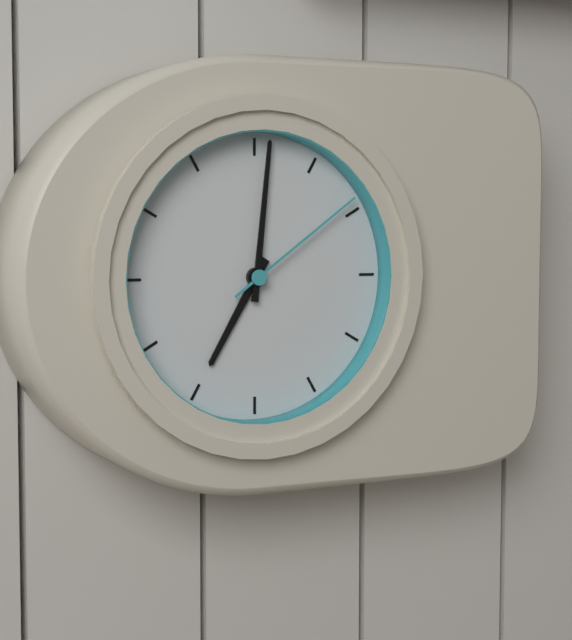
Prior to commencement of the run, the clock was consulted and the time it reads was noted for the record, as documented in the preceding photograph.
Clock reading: 7:01:09
